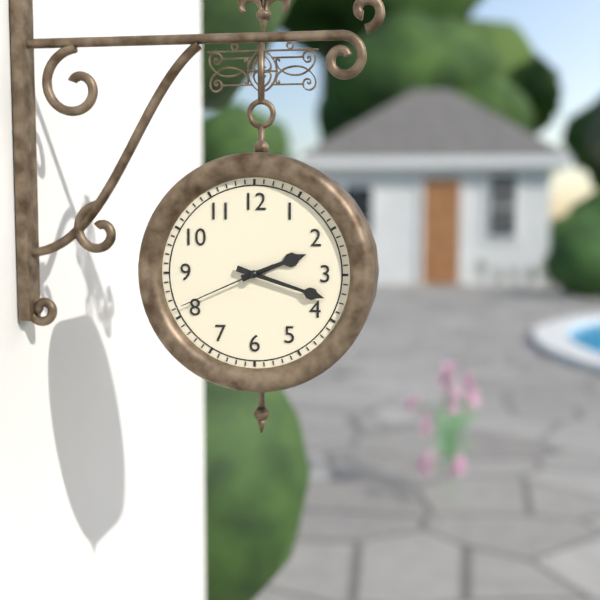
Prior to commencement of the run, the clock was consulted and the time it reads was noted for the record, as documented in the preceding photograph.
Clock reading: 2:18:41
